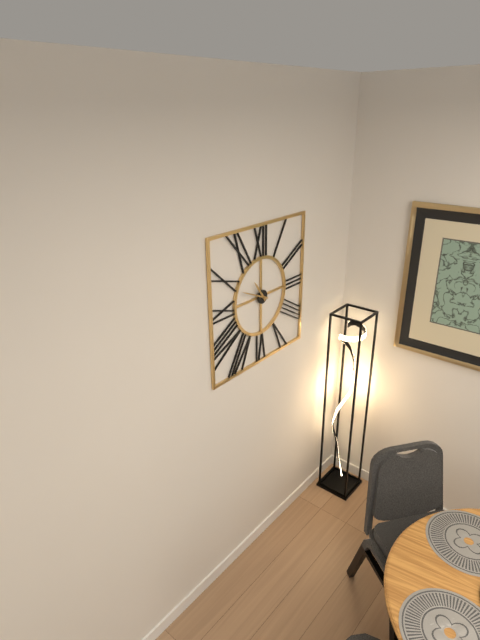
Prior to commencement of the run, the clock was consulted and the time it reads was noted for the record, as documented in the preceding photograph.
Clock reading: 10:49
